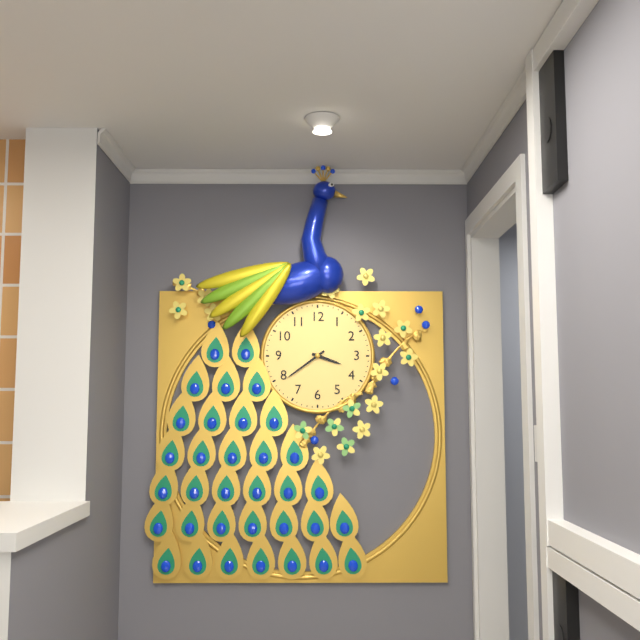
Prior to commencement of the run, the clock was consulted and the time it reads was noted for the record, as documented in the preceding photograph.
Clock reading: 3:39
